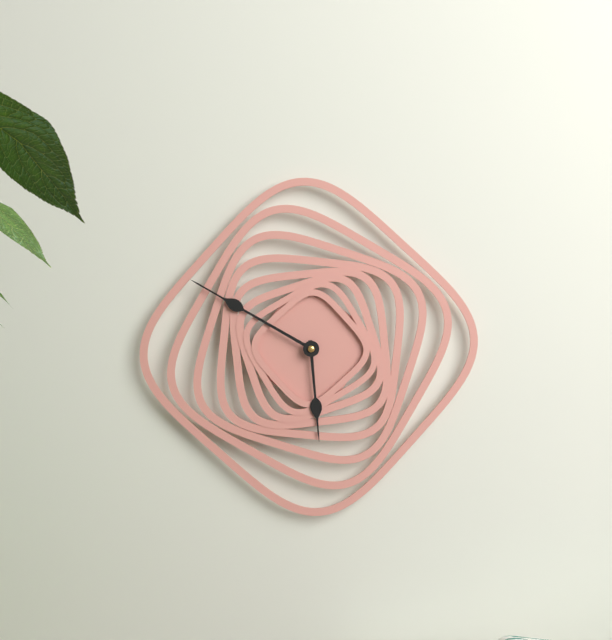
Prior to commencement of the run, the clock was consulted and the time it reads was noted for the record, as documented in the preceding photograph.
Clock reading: 5:50
